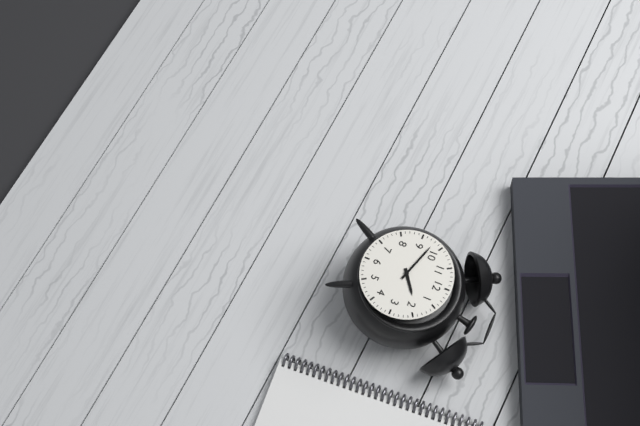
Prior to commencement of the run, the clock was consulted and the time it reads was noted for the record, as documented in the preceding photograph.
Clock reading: 1:48
